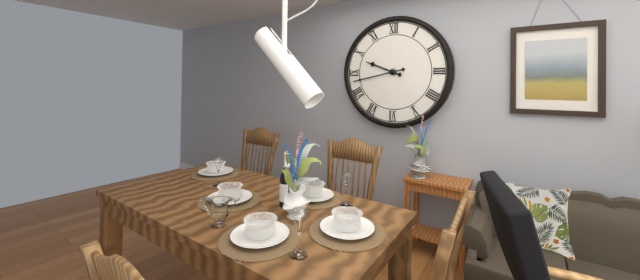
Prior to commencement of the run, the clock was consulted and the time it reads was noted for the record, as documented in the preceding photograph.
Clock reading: 9:43
